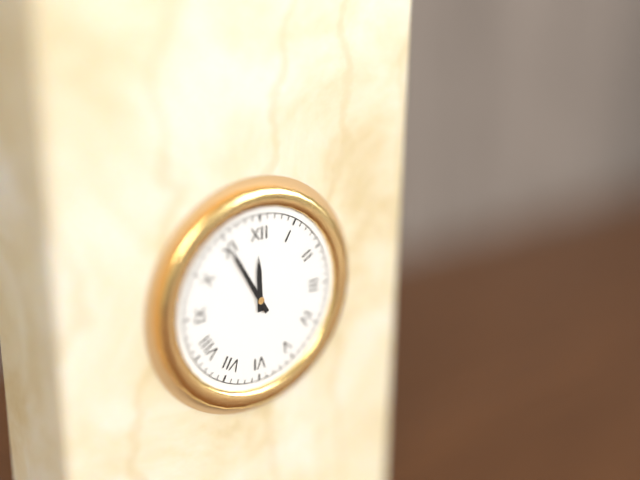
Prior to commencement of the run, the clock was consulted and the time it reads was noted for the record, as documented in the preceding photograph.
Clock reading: 11:55
